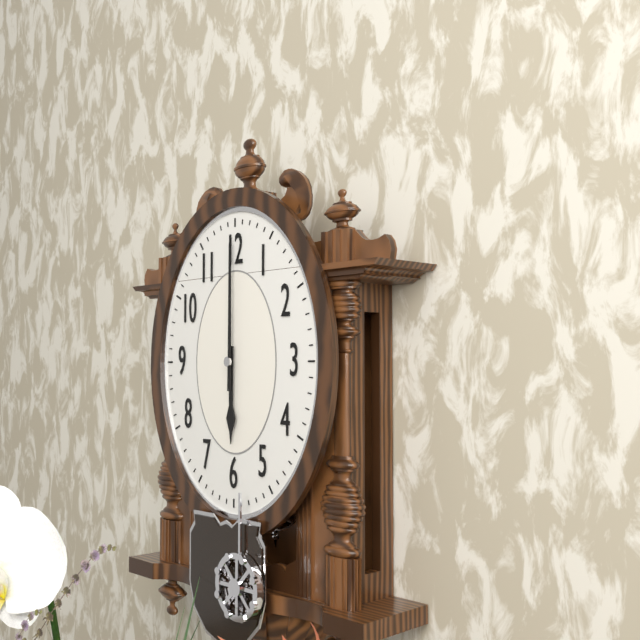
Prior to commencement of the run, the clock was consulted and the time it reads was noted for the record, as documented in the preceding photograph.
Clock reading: 6:00
